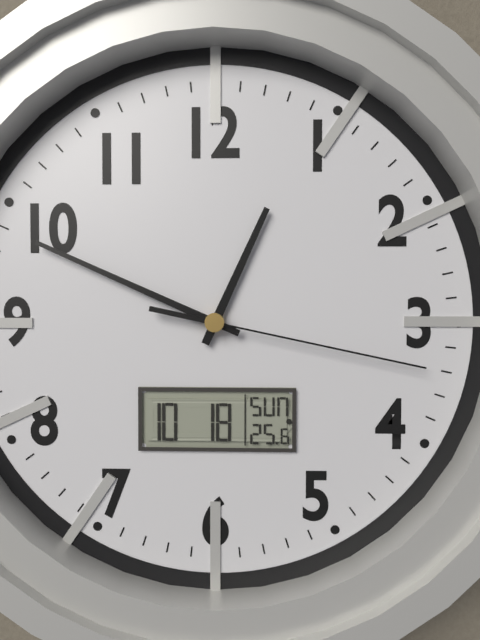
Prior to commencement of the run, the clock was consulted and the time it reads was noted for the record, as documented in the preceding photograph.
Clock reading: 12:49:17
